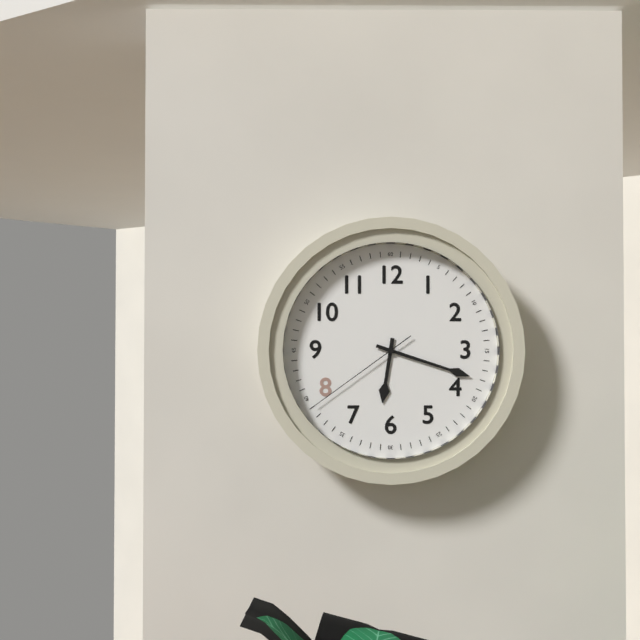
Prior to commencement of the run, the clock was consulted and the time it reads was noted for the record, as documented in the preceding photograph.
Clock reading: 6:18:39
